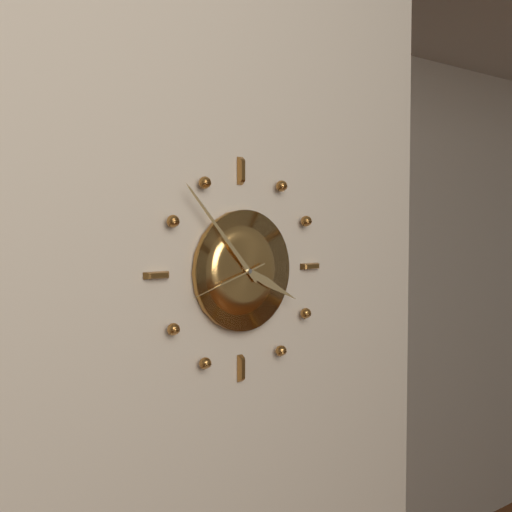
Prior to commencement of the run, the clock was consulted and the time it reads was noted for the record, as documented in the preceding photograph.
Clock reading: 3:53:42
